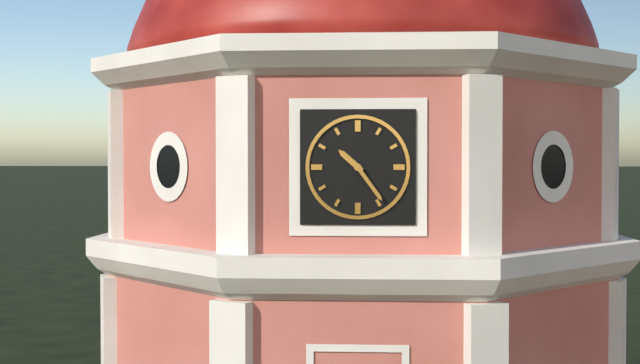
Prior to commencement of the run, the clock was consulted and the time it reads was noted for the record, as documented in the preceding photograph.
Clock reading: 10:24
